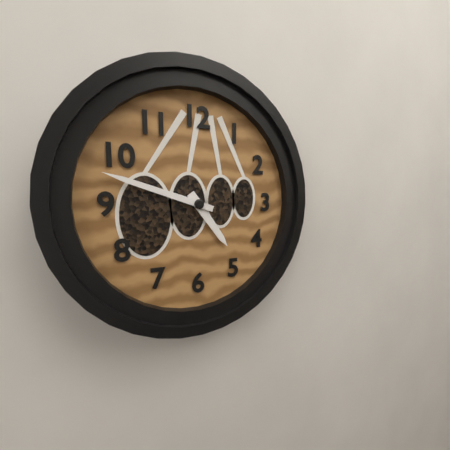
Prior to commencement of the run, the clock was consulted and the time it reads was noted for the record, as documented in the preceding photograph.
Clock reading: 4:48
